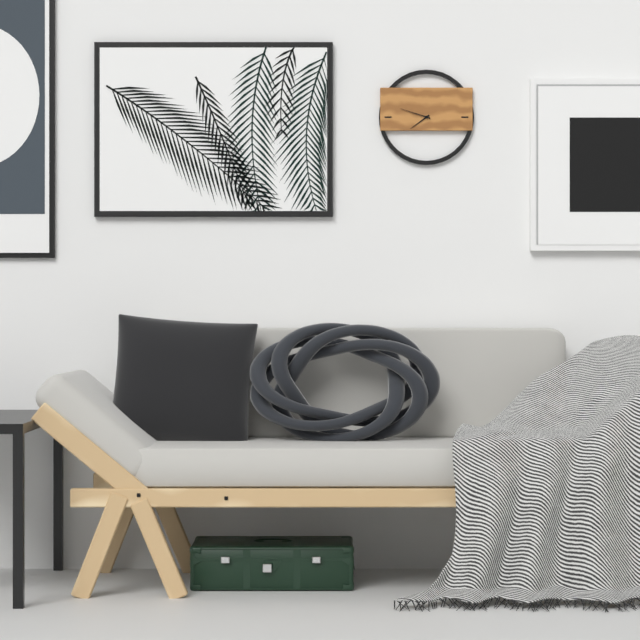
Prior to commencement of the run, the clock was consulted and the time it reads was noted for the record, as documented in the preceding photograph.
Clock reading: 7:48
